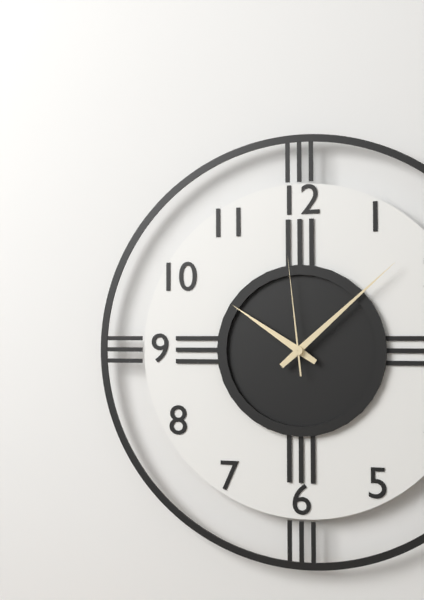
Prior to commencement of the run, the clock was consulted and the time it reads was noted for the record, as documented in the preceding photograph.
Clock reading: 10:08:59
